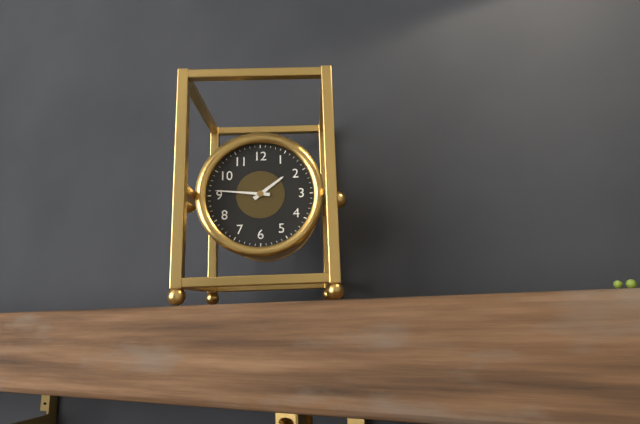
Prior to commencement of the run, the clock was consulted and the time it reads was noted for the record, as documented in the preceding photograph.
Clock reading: 1:46
